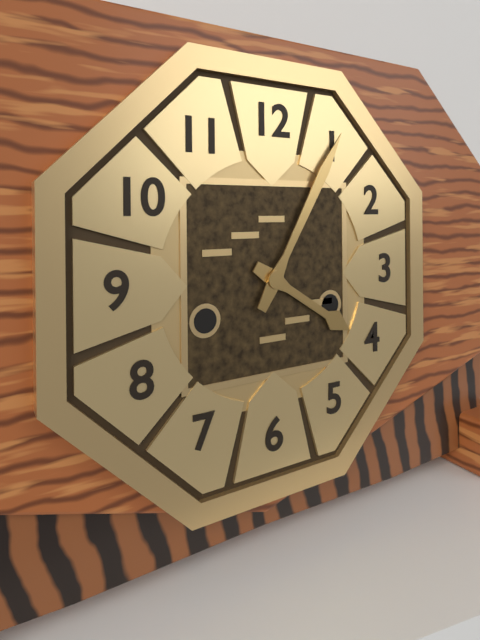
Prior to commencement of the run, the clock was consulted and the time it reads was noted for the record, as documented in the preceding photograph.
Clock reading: 4:05
